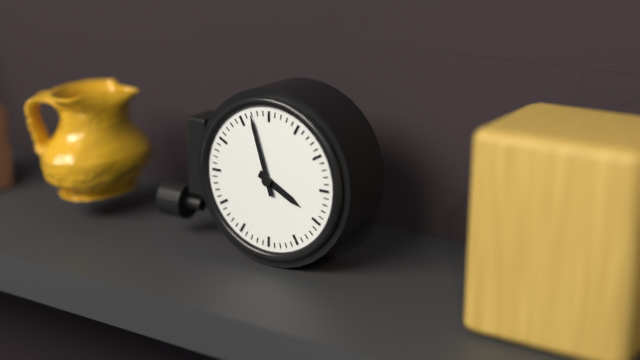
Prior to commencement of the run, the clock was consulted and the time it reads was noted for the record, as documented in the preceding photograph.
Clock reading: 3:57
